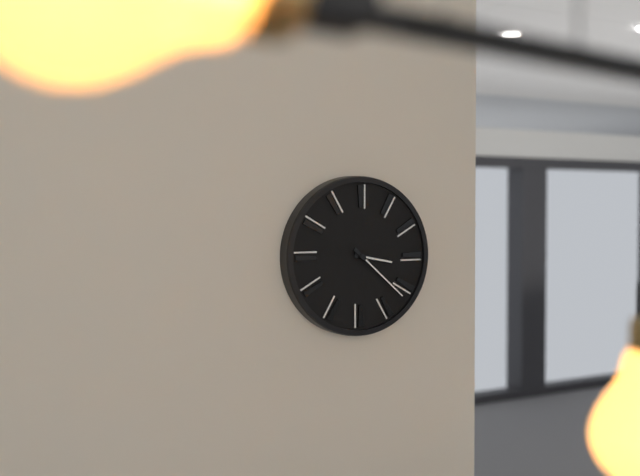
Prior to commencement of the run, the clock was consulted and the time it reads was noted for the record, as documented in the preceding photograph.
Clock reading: 3:22
